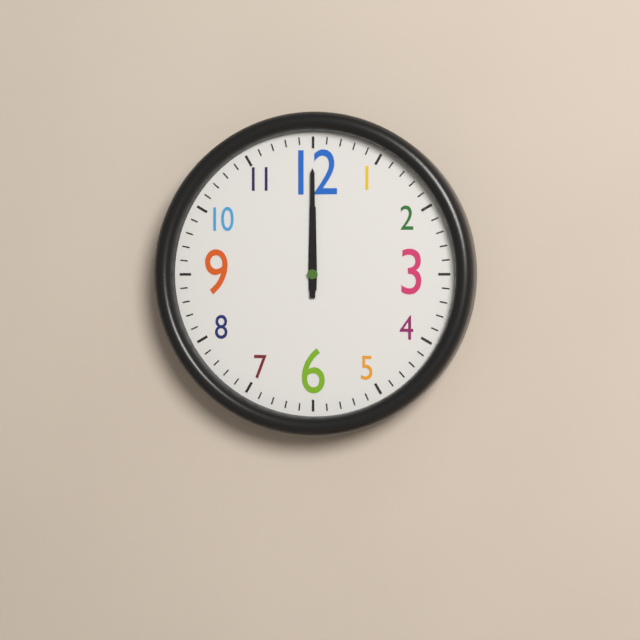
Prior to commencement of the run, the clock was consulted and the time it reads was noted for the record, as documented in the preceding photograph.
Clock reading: 12:00
